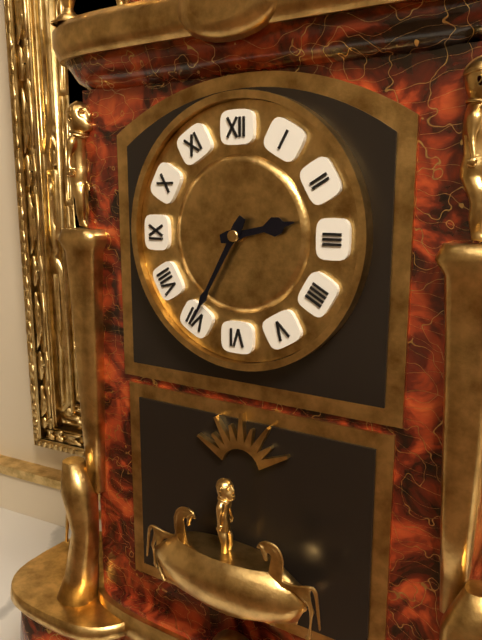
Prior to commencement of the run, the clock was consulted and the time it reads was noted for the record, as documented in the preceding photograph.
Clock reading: 2:35
